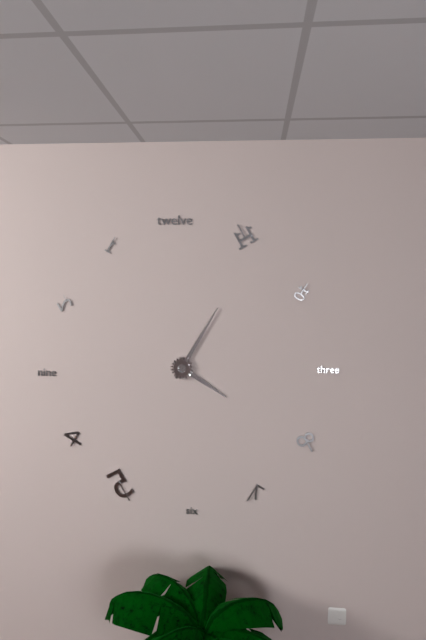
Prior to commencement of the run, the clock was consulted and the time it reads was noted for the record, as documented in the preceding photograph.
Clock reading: 4:05
